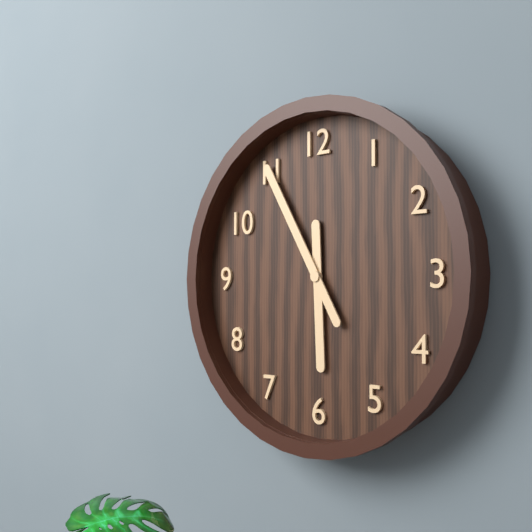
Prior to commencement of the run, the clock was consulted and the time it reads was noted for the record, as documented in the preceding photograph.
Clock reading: 5:55
